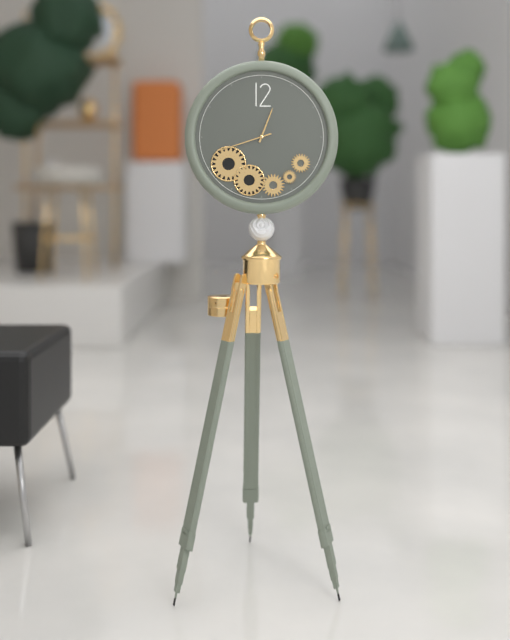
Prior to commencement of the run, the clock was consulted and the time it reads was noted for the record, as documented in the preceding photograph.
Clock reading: 12:42
